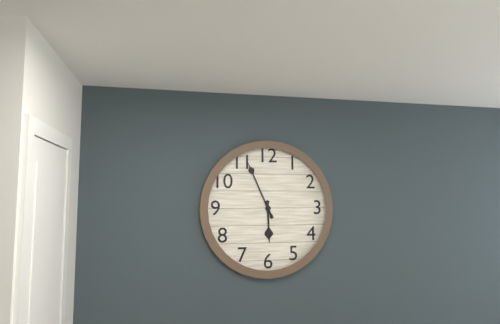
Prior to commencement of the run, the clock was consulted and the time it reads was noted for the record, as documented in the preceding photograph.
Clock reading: 5:56
